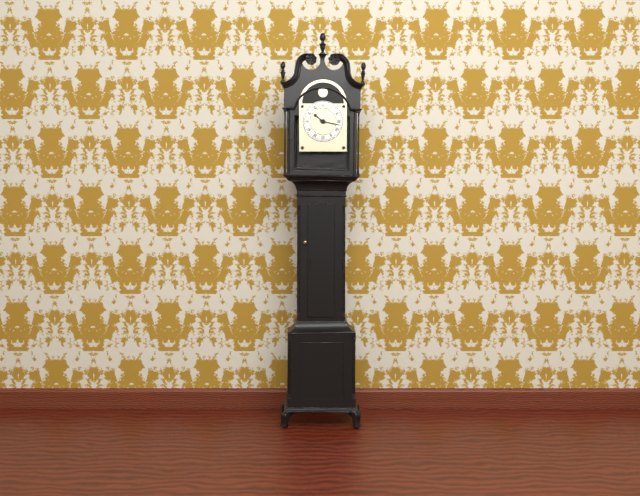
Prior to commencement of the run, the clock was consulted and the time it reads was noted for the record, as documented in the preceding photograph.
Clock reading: 10:17
